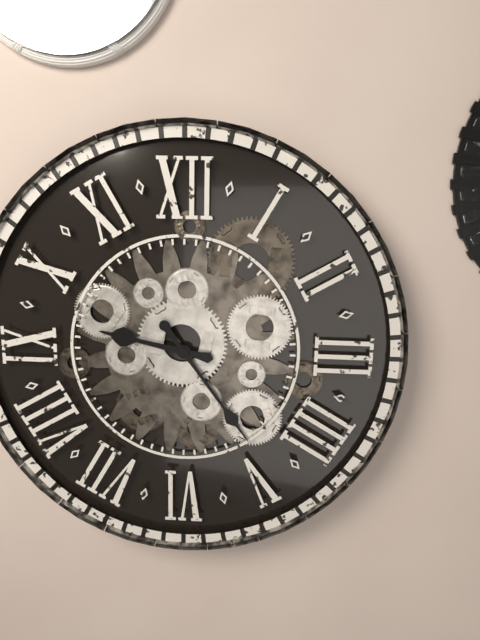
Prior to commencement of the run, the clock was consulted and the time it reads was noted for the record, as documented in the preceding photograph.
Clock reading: 9:24
